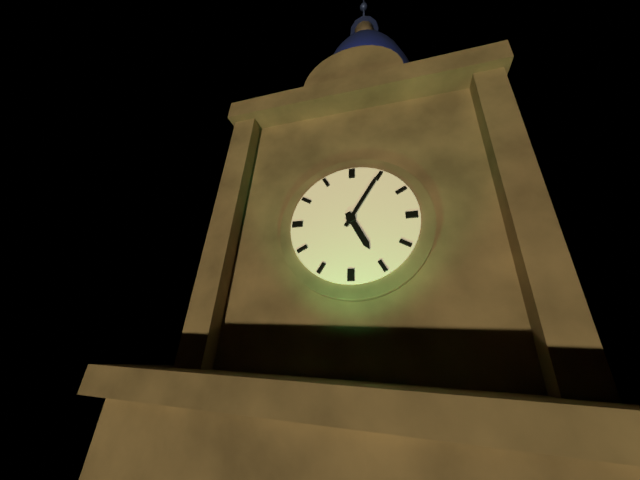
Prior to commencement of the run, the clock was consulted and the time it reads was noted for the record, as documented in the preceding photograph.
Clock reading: 5:05
